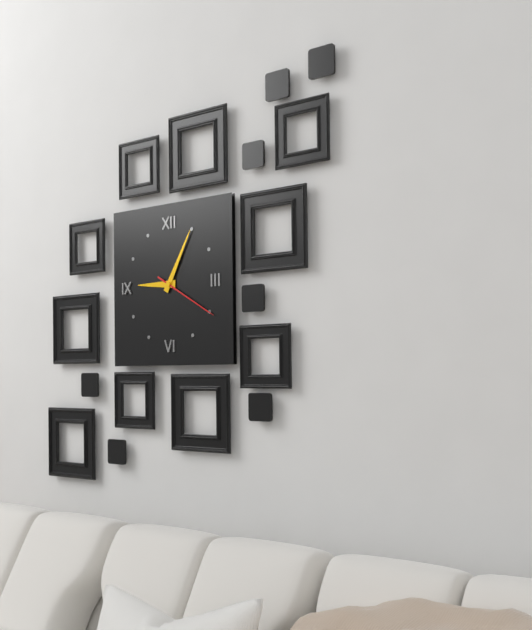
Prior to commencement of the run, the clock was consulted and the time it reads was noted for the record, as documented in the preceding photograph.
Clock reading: 9:05:20
